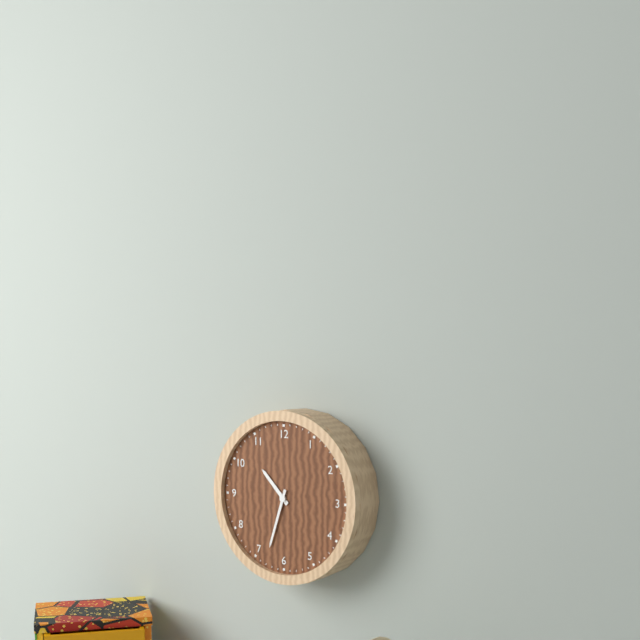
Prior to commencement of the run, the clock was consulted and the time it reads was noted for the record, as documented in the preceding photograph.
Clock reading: 10:33
